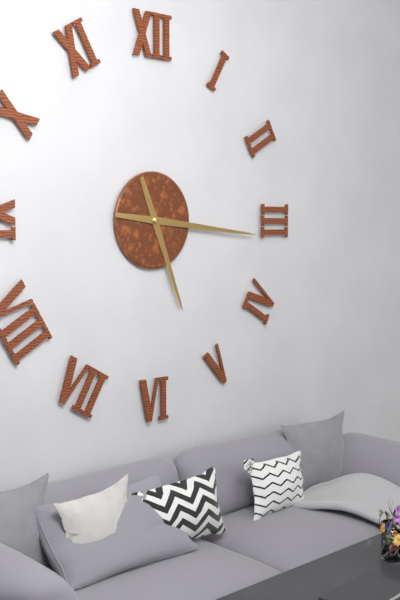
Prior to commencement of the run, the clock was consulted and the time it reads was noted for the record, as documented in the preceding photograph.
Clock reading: 5:16
